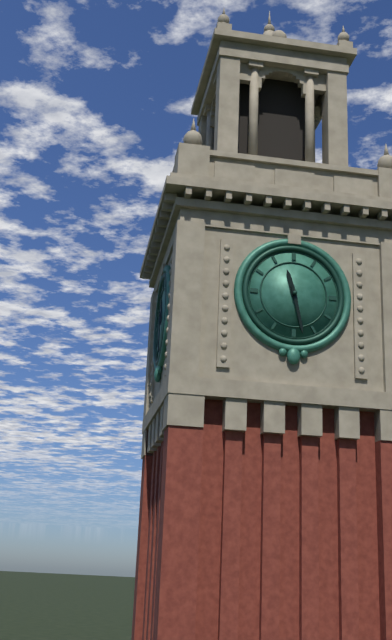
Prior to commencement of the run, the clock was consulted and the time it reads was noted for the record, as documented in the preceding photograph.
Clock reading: 11:28
